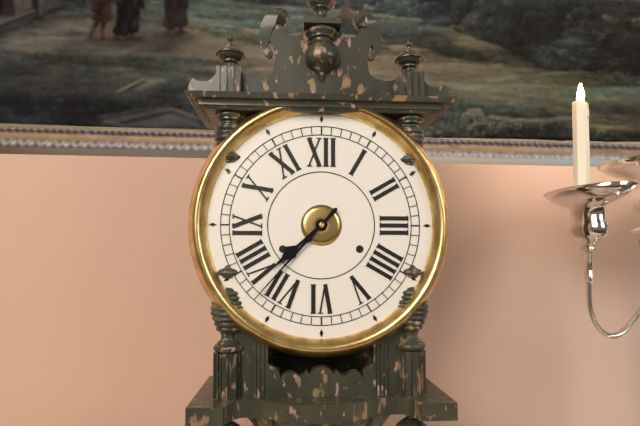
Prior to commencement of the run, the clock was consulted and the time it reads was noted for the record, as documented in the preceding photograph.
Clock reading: 7:37
